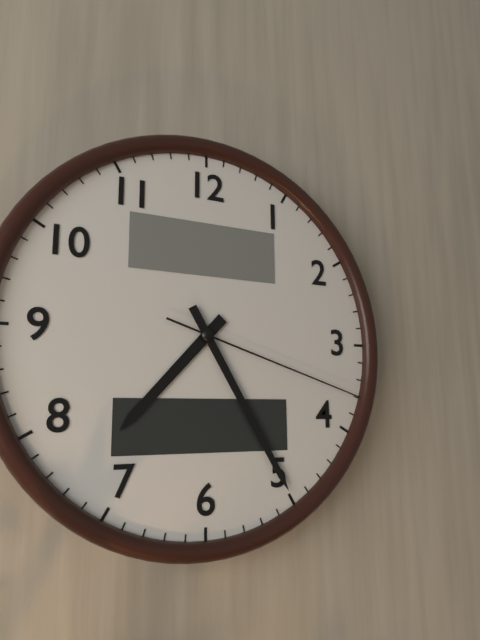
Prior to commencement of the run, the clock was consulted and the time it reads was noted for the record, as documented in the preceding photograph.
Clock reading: 7:25:18
